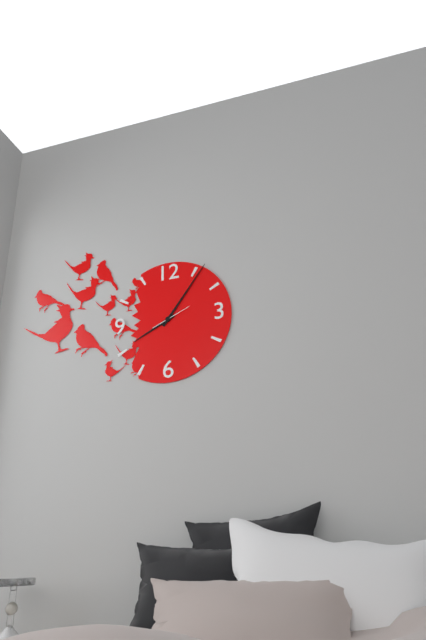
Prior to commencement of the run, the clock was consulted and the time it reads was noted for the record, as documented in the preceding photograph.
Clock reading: 8:06
